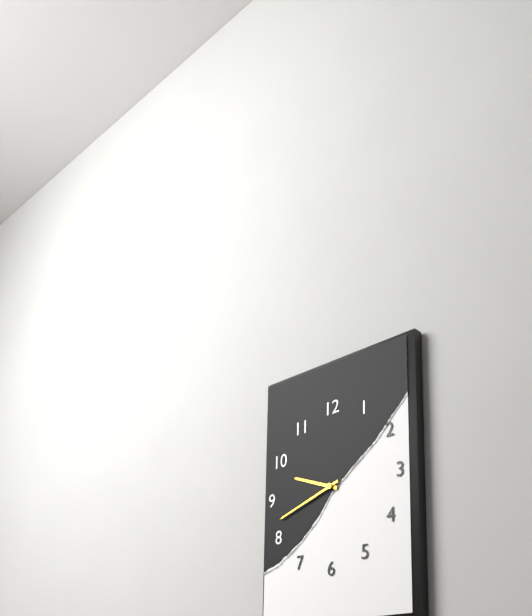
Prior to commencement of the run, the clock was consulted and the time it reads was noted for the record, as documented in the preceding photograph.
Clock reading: 9:42
